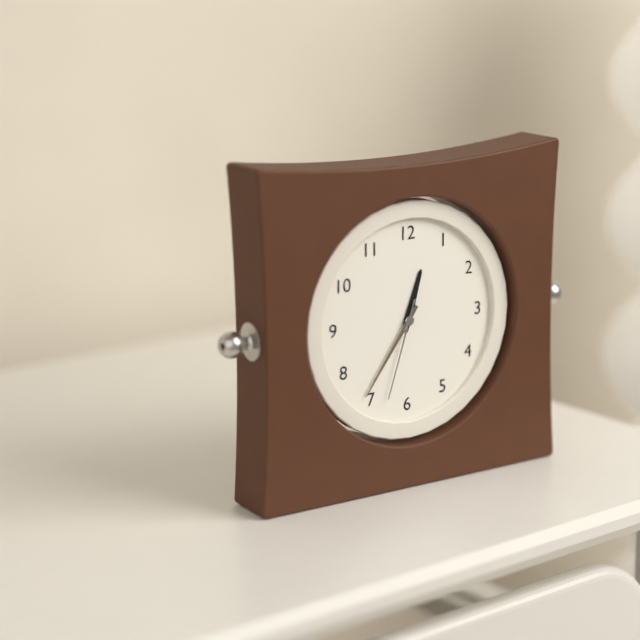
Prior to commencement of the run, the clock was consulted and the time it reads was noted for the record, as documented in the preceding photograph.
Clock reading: 12:36:33
